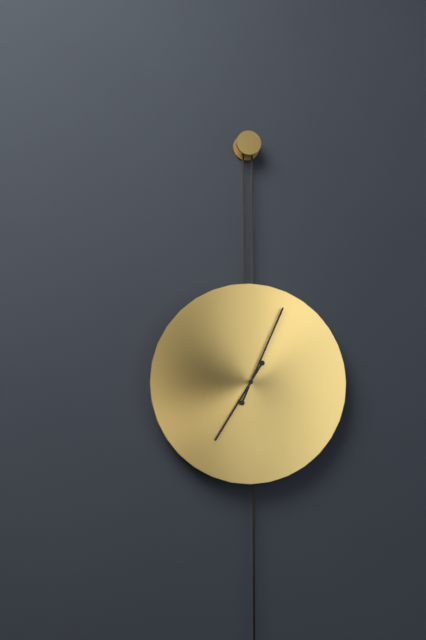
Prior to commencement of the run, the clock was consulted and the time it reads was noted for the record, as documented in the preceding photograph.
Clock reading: 7:04
